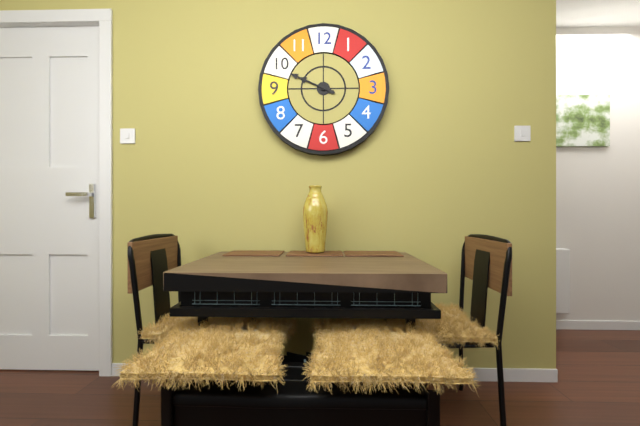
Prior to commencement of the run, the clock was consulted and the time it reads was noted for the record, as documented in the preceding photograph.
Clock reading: 9:49
